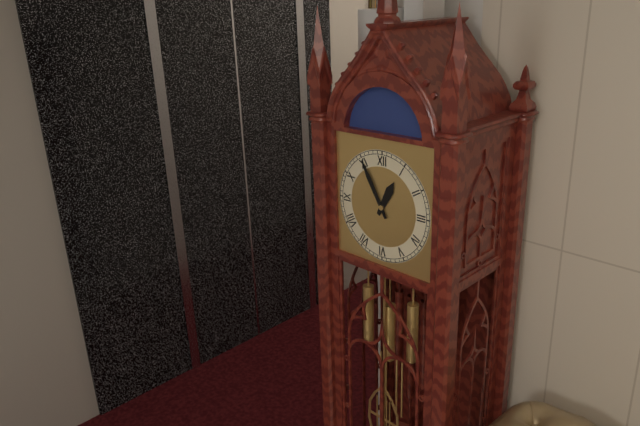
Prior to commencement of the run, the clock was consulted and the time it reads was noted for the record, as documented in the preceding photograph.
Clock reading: 12:55
